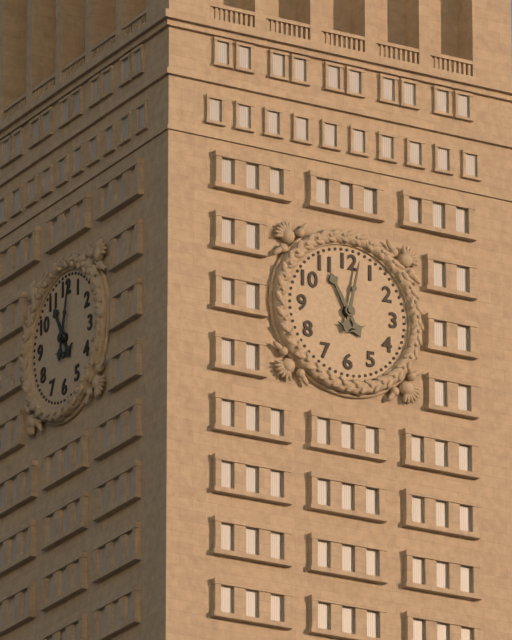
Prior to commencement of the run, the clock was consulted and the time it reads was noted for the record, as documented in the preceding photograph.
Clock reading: 11:02
